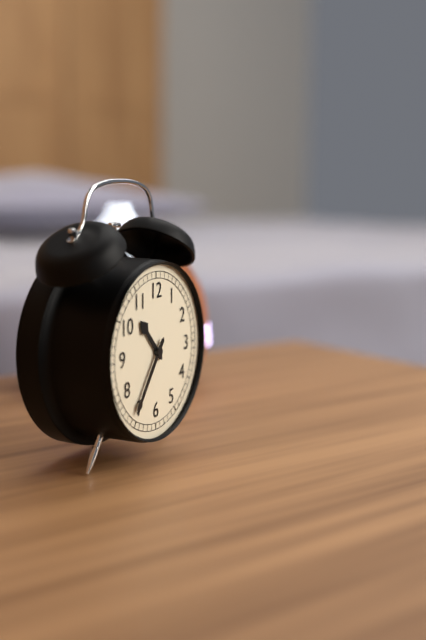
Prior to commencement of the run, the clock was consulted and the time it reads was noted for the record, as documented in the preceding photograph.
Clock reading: 10:36
